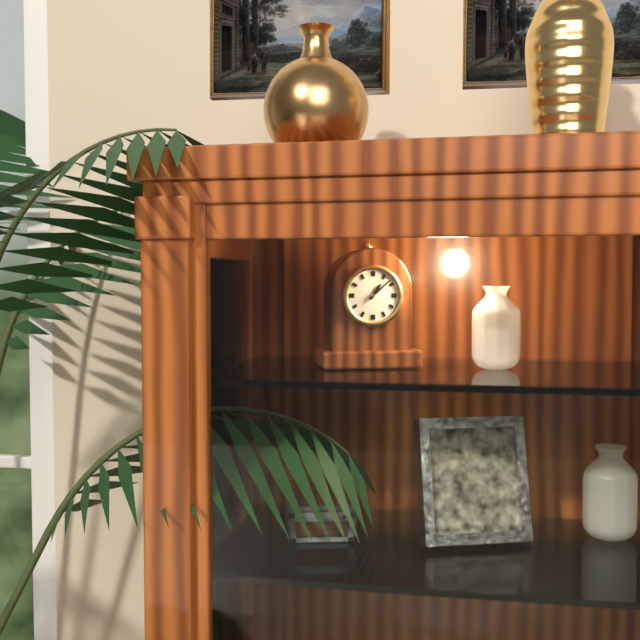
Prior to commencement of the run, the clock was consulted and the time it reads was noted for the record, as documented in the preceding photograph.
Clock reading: 1:08
